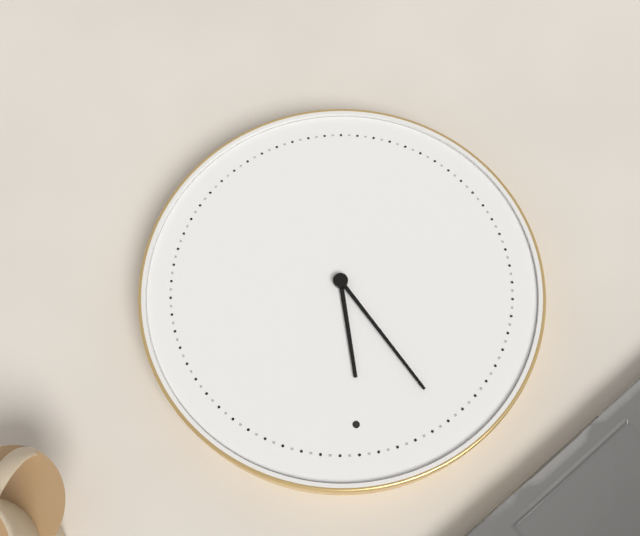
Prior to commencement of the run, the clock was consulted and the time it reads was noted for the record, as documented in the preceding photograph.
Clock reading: 11:55
